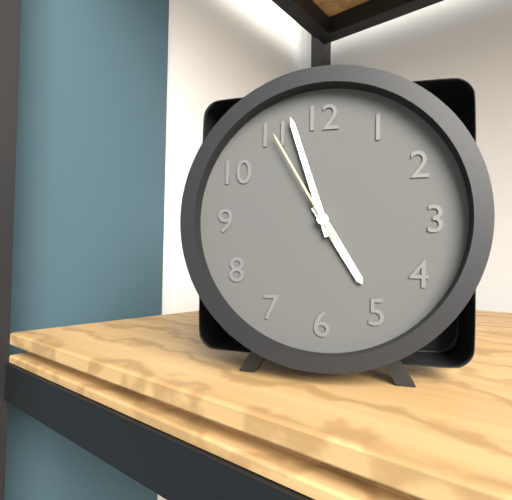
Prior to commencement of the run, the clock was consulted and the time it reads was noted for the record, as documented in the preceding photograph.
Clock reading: 4:57:55
